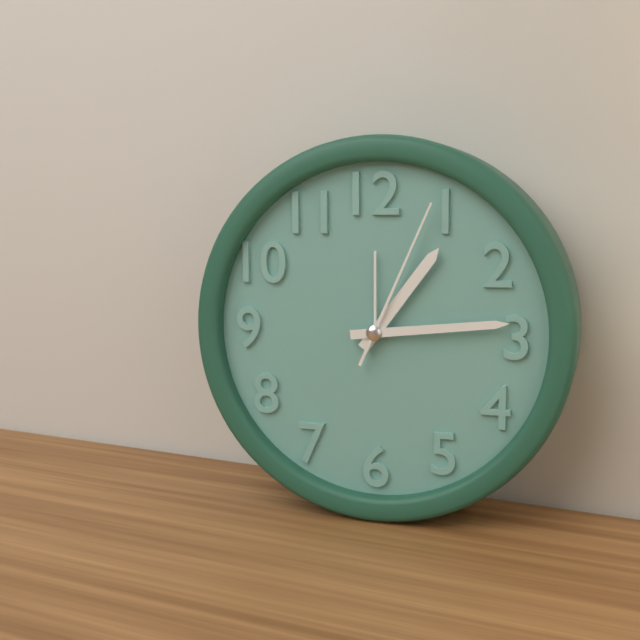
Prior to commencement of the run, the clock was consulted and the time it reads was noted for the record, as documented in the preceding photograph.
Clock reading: 1:14:04
